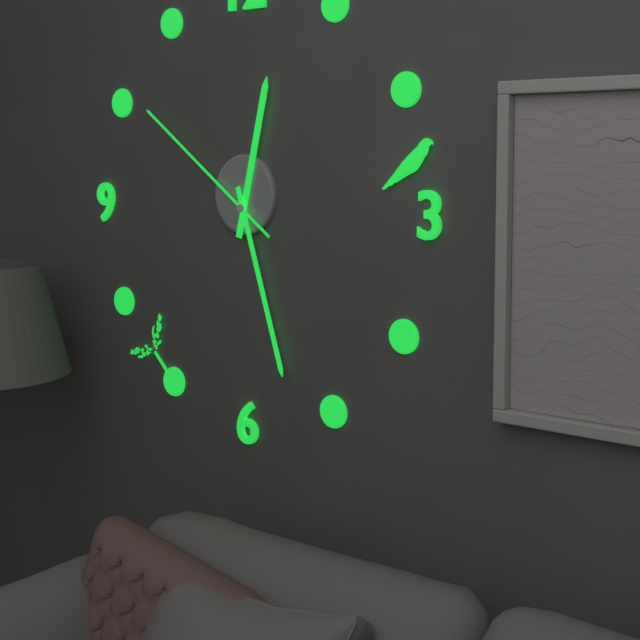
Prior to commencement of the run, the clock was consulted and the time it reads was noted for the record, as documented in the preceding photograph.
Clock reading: 12:27:51
